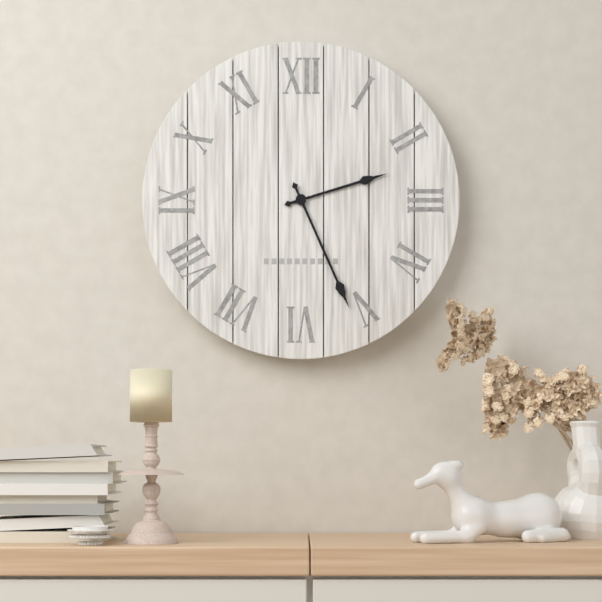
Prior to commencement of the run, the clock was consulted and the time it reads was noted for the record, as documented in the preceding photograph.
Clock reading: 2:26
